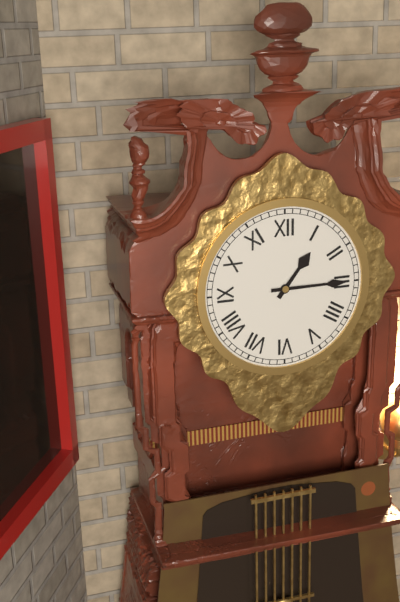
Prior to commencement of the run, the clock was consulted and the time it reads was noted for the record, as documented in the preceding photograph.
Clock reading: 1:15
